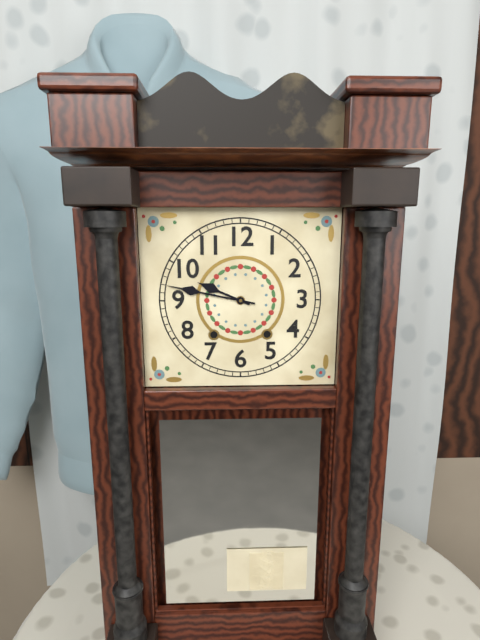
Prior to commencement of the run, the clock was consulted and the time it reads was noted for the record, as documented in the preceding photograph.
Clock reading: 9:47
